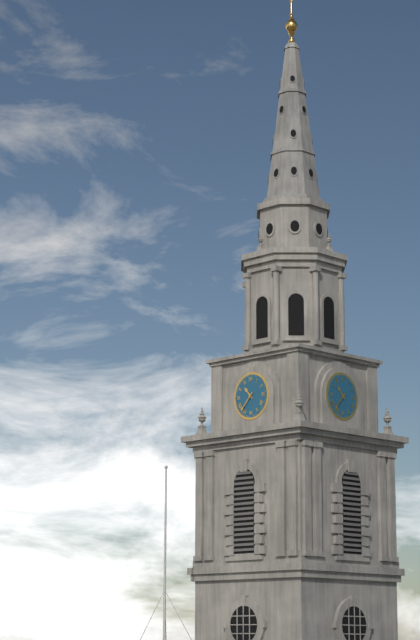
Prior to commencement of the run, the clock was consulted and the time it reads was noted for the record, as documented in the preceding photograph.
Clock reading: 10:37
